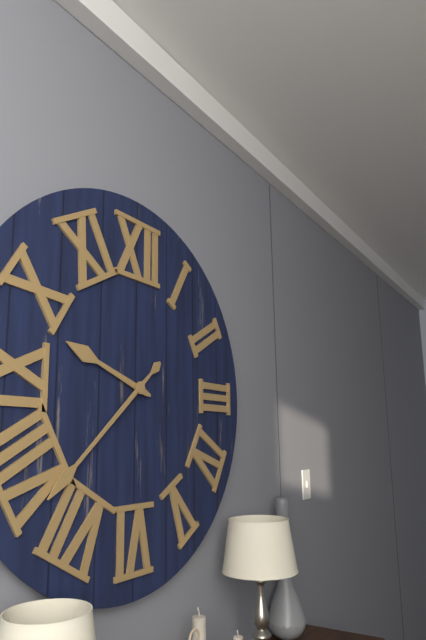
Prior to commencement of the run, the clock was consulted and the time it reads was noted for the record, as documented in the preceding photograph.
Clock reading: 9:38
